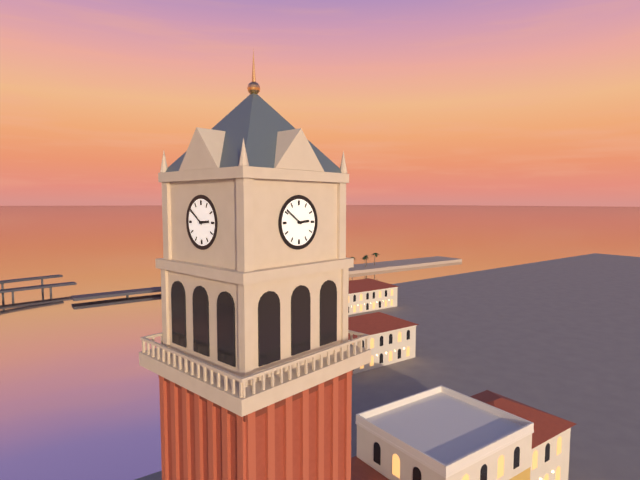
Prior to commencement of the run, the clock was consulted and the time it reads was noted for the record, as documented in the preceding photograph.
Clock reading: 2:51
